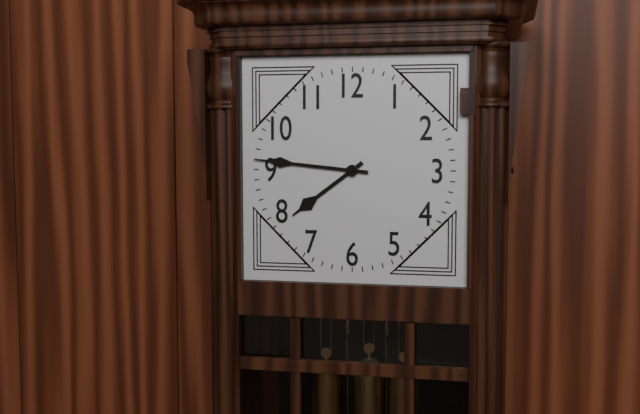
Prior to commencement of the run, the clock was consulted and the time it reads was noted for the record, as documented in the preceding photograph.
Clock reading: 7:46
